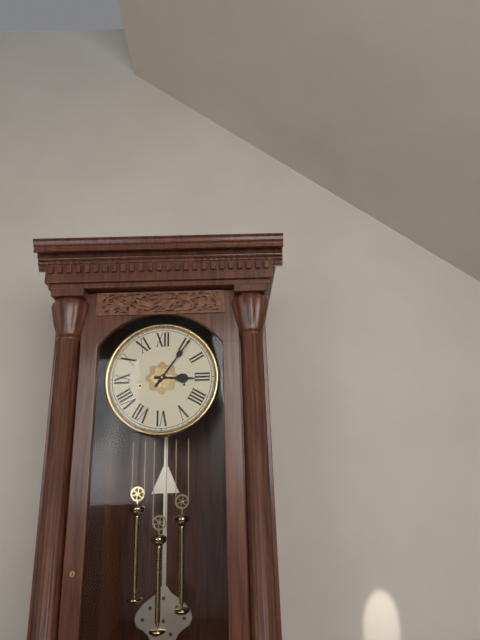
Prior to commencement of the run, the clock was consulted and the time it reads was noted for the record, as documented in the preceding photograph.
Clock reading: 3:06
